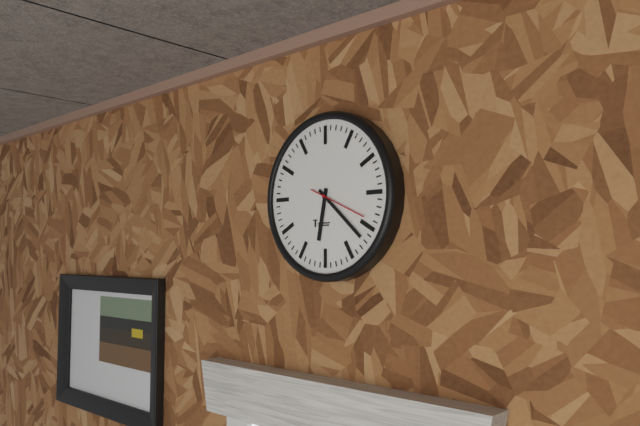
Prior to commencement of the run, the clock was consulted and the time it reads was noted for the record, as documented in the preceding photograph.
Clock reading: 6:22:19
